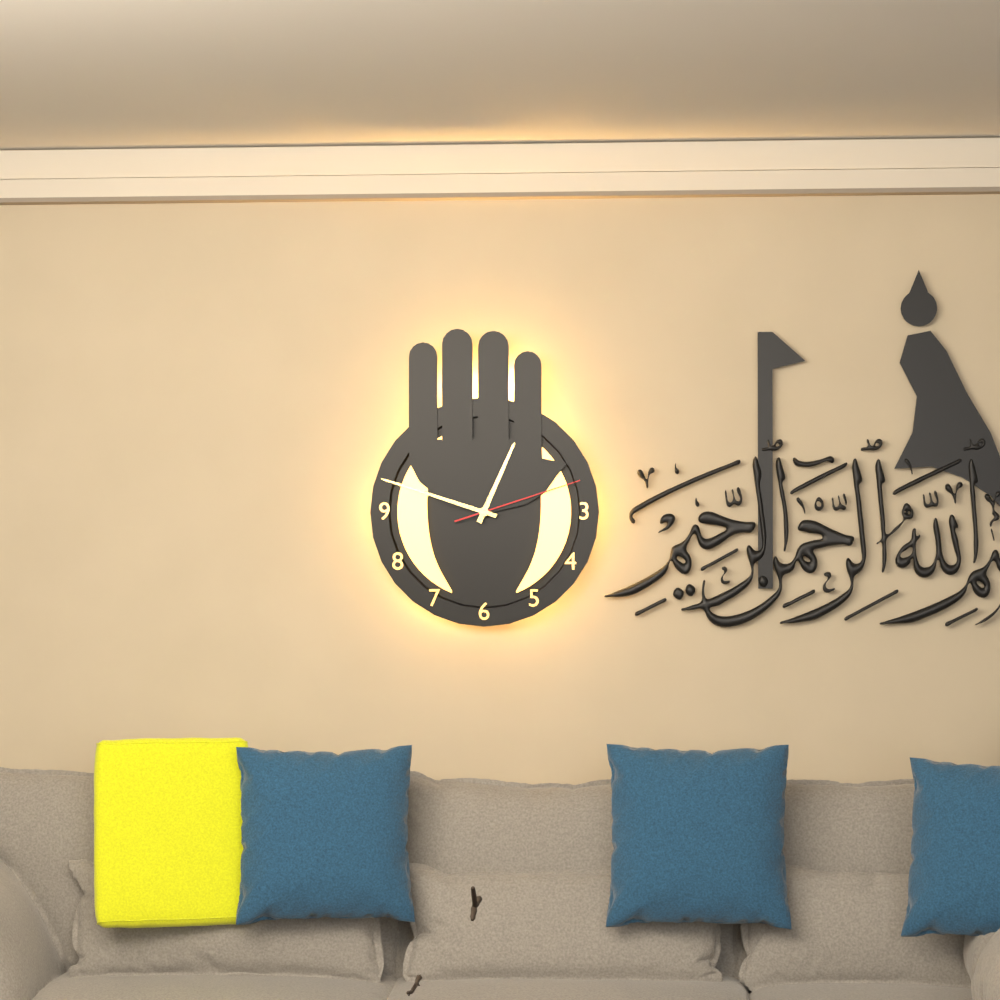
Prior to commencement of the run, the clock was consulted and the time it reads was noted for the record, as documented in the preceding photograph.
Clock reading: 12:48:12
